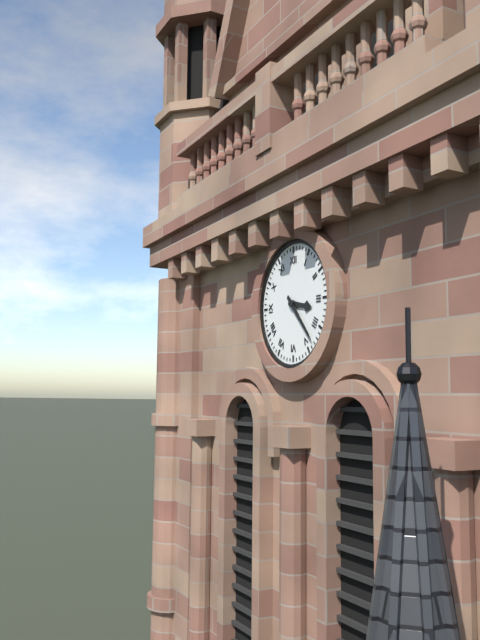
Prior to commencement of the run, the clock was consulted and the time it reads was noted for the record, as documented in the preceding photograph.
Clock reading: 3:23
